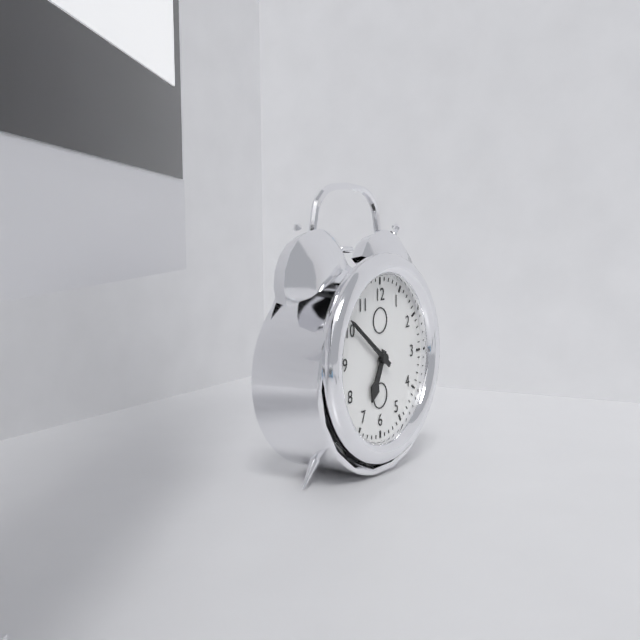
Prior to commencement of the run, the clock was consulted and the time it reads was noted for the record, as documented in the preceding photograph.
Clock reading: 6:51
